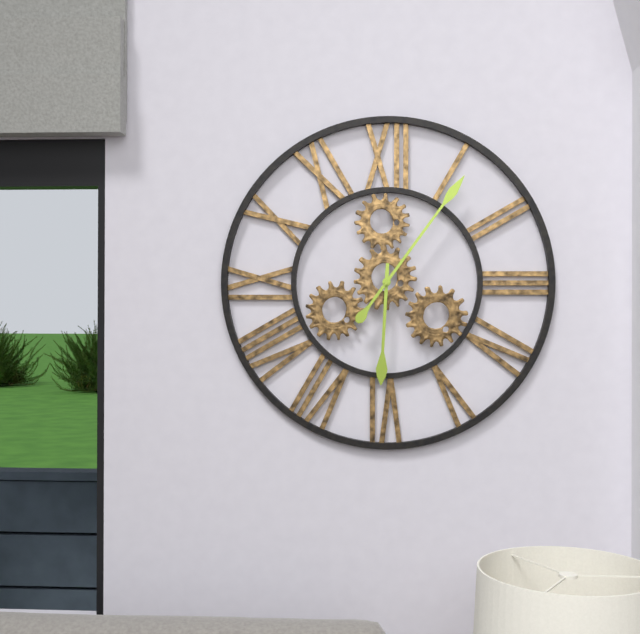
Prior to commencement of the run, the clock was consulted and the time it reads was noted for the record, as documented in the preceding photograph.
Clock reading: 6:06
